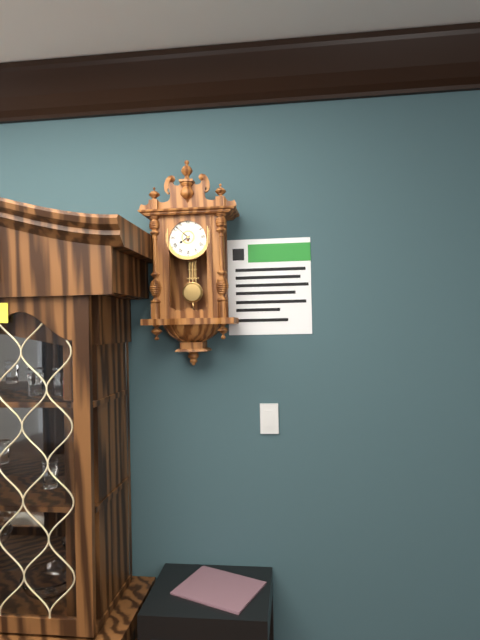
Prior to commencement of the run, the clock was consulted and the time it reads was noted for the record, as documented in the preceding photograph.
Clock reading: 7:52
